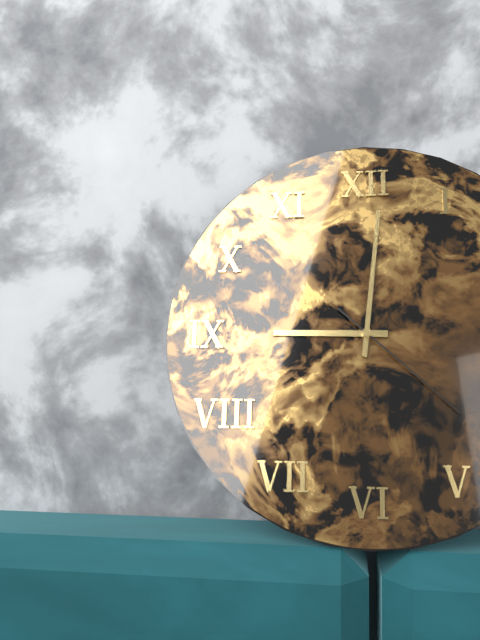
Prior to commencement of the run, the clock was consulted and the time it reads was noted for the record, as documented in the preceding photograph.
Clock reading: 9:01:22
